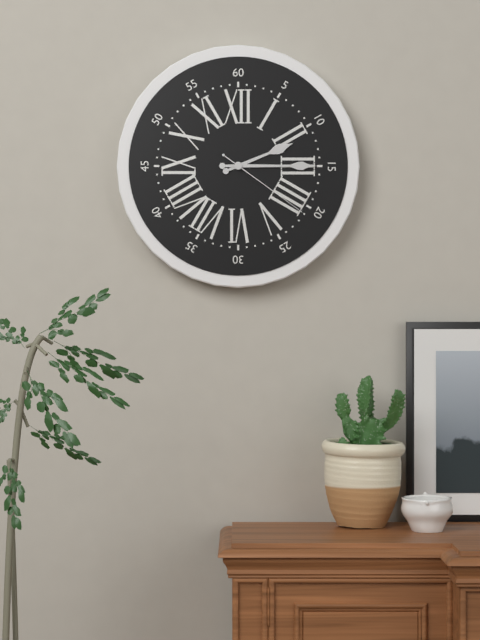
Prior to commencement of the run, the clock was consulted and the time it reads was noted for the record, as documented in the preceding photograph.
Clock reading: 2:15:21
